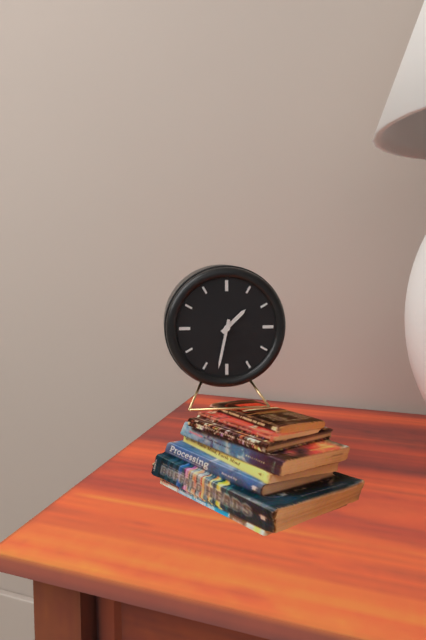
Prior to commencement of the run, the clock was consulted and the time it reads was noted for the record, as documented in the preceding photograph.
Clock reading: 1:32
